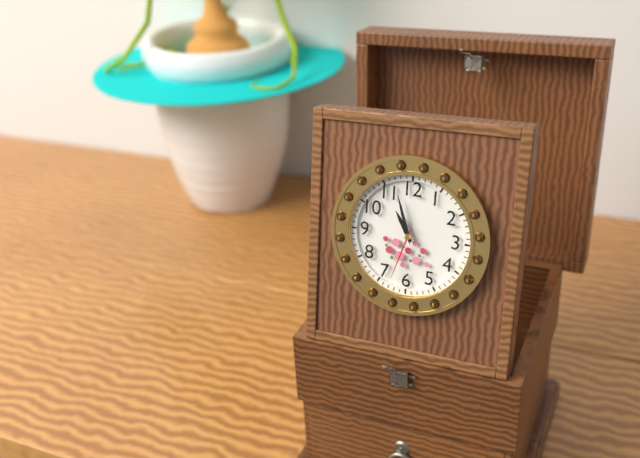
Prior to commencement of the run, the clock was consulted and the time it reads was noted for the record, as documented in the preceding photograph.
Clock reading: 10:57:33
